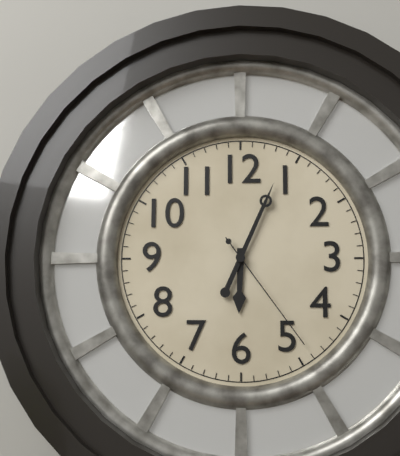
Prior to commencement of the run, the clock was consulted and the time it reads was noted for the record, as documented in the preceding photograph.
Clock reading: 6:04:24
